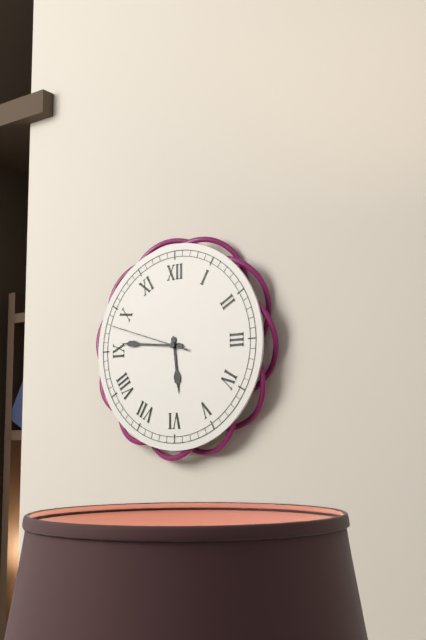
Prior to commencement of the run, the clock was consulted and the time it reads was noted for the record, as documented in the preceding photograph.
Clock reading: 5:46:48
